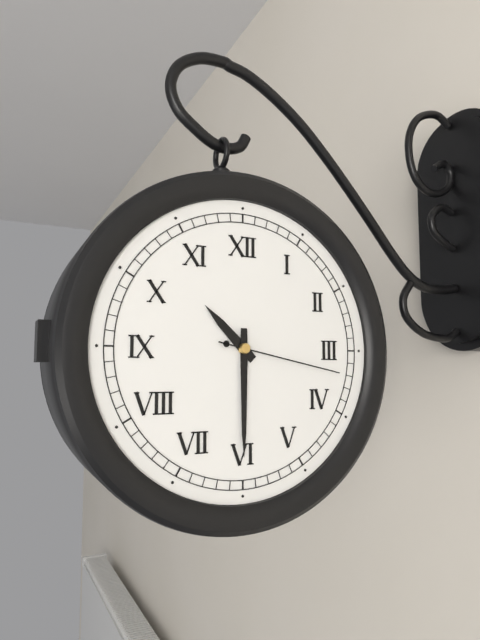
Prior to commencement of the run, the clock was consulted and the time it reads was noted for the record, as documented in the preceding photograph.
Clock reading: 10:30:17
